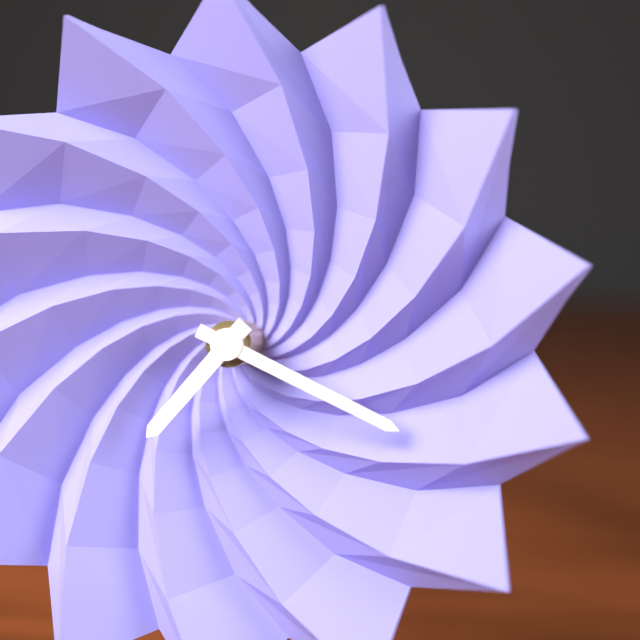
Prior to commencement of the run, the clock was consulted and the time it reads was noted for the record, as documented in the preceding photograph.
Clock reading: 7:19
